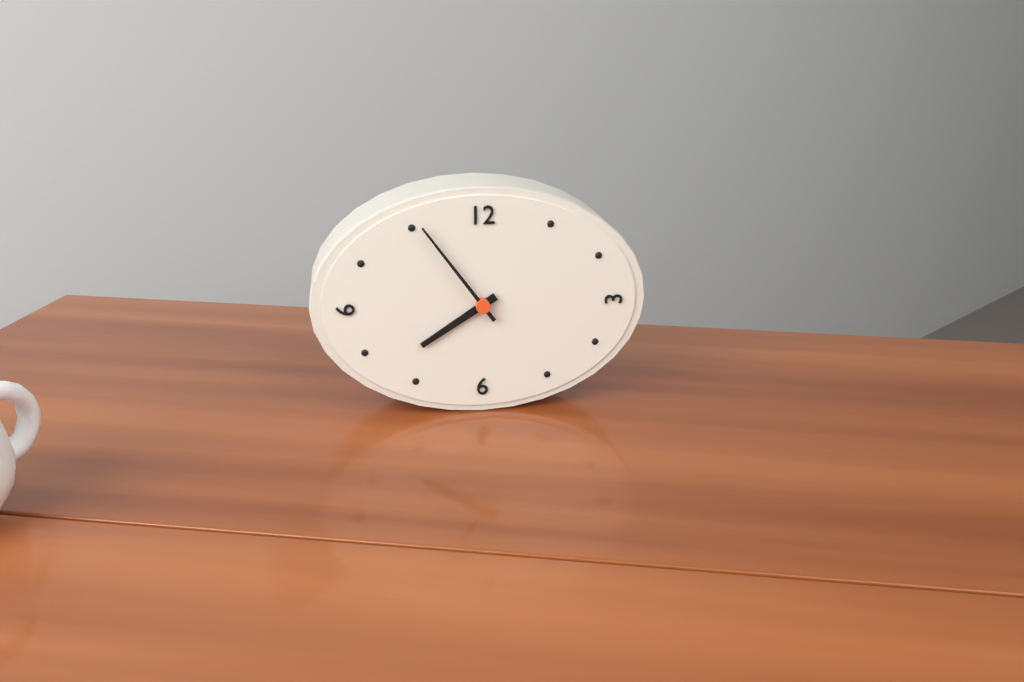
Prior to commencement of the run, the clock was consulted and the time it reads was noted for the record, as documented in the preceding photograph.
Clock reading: 7:54
